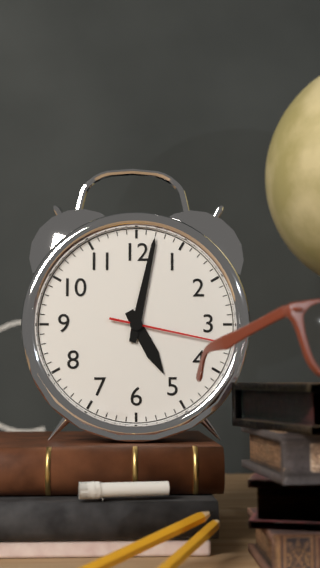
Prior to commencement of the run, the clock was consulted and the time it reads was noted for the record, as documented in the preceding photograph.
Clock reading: 5:02:17
